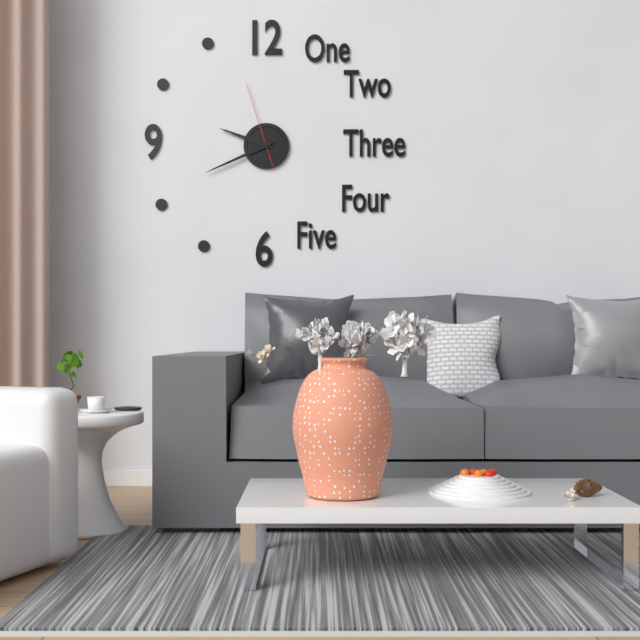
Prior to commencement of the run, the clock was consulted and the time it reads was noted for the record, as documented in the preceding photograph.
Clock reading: 9:41:57
